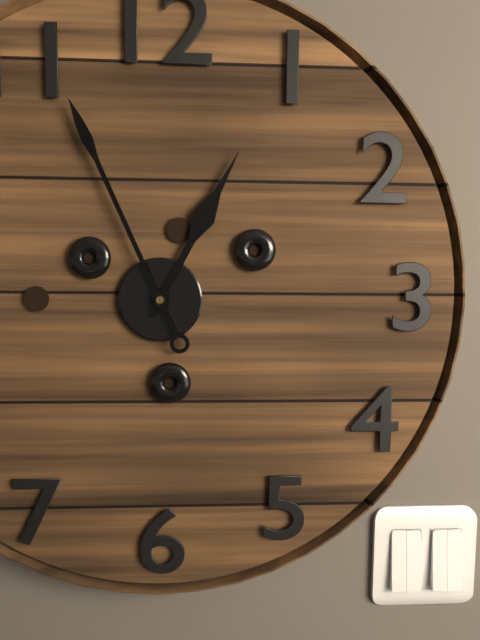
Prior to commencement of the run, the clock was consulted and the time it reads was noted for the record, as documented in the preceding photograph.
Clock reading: 12:56
